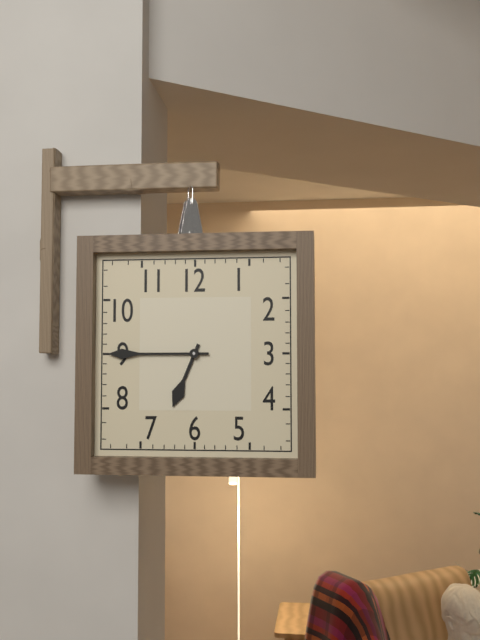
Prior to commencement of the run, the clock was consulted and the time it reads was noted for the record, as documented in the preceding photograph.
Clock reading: 6:45
